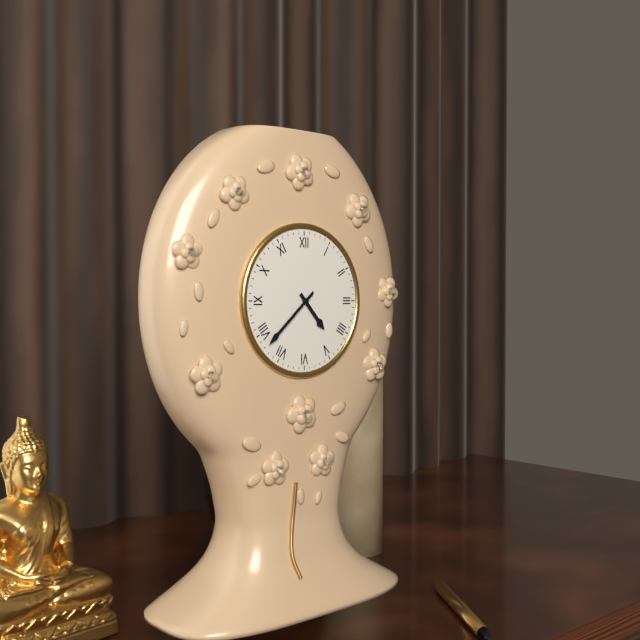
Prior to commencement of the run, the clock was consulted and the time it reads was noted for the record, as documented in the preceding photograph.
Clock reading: 4:38
